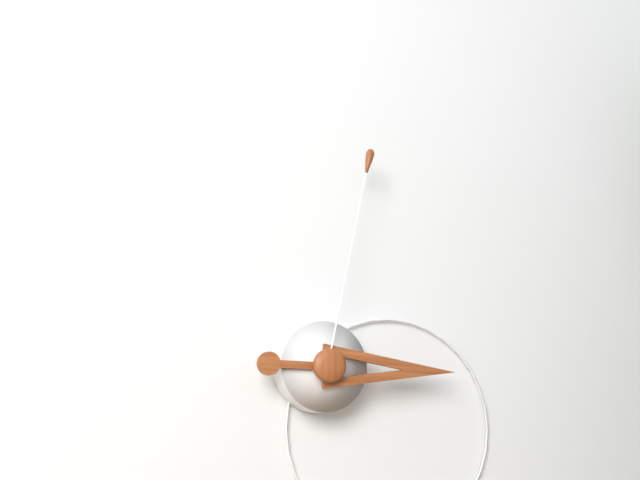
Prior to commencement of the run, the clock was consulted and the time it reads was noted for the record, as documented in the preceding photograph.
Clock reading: 3:02
